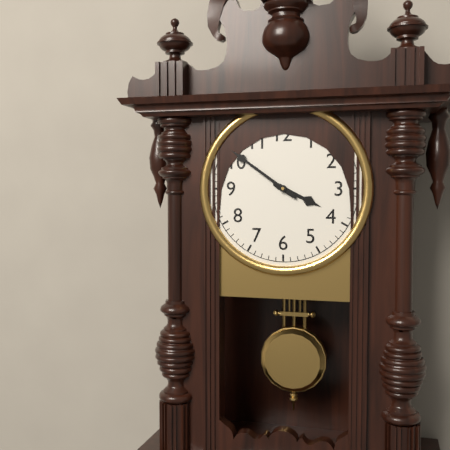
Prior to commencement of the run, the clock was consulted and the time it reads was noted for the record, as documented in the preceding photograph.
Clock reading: 3:51
